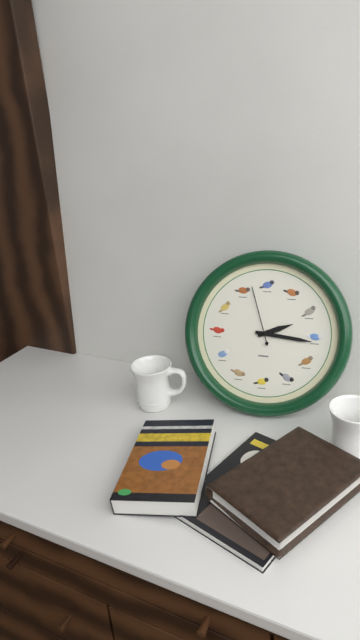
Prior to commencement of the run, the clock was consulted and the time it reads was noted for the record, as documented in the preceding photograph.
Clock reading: 2:16:57
